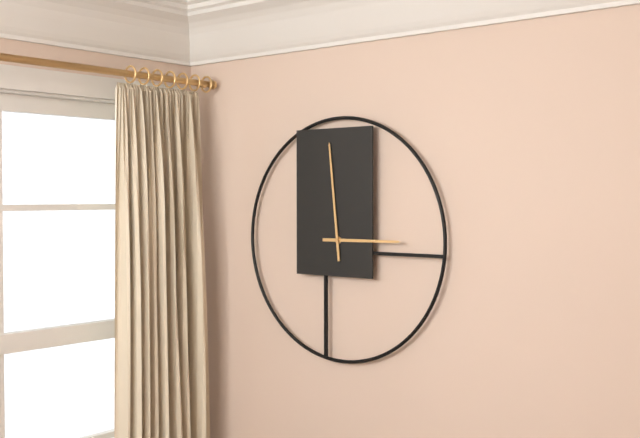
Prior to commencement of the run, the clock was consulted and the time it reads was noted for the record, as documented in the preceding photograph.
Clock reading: 2:59
